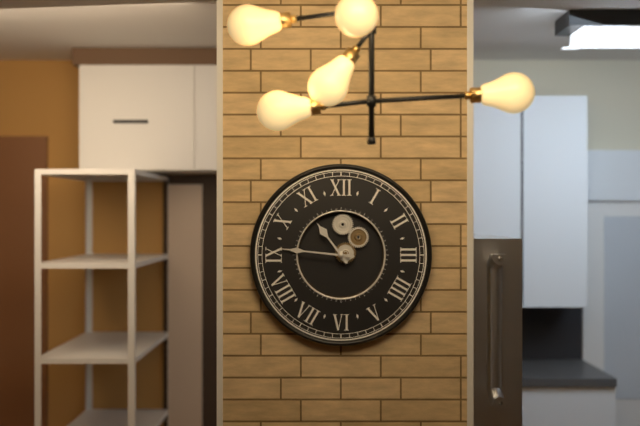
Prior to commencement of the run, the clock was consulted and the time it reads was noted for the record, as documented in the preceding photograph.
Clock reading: 10:46
